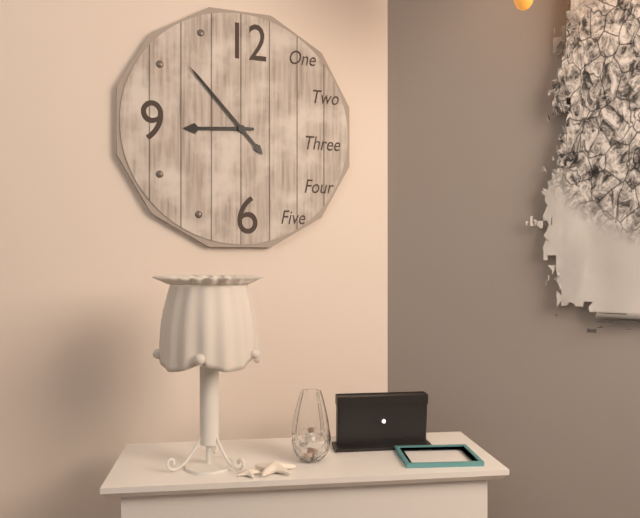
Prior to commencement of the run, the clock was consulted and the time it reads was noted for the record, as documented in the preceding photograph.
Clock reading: 8:53
